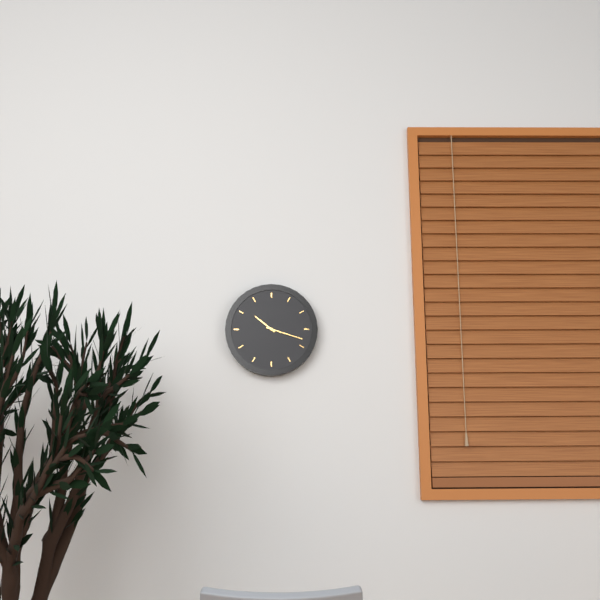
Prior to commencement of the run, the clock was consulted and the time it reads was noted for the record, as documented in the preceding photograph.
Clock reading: 10:18
